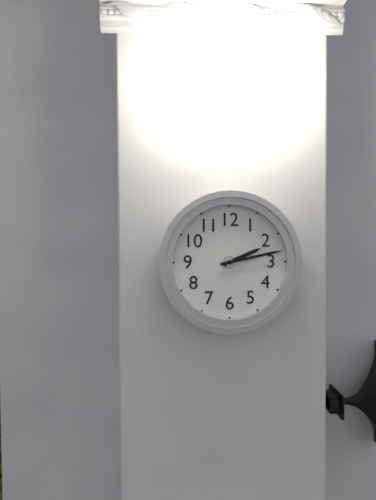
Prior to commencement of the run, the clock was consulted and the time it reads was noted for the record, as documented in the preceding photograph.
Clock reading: 2:13
